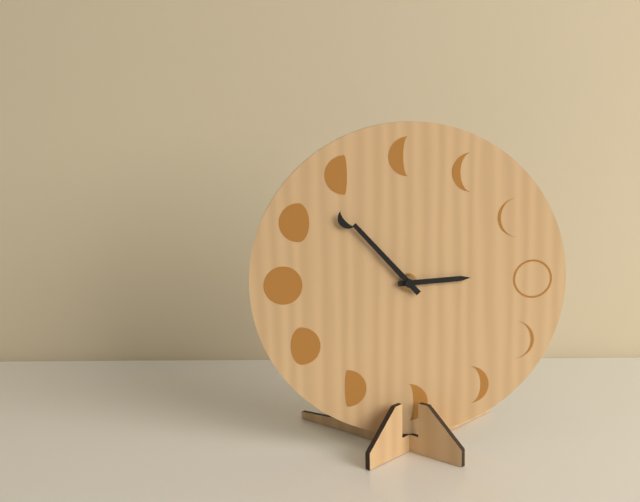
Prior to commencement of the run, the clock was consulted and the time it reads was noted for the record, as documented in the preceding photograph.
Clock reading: 2:53
